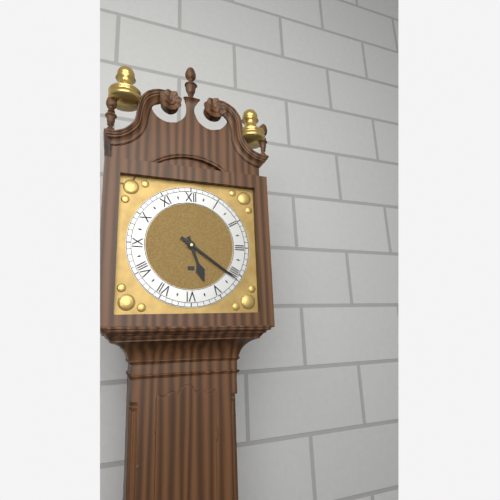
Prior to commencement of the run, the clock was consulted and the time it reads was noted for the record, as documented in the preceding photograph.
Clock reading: 5:21
